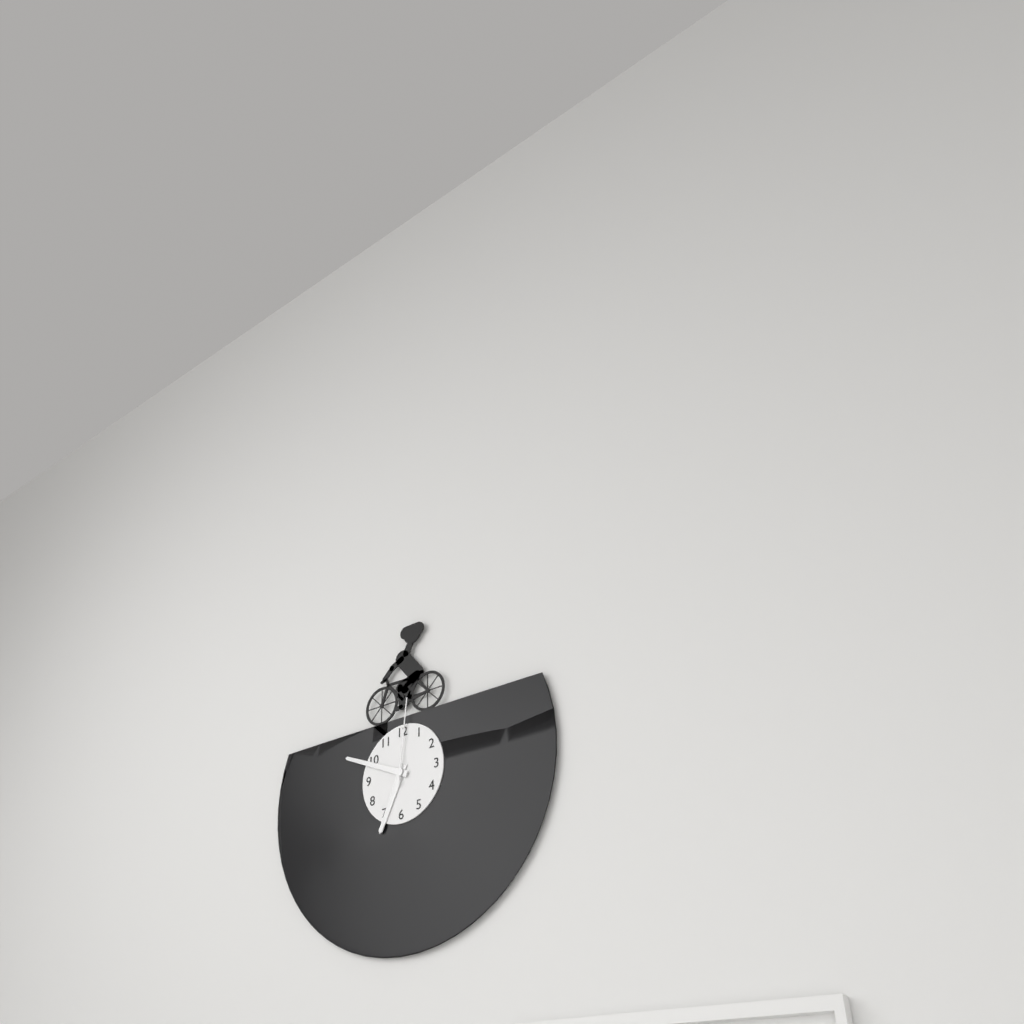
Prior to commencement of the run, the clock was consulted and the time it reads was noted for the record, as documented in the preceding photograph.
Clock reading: 6:49:01
